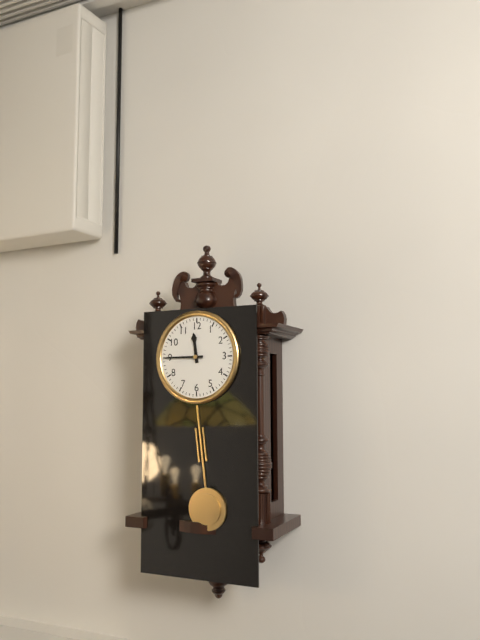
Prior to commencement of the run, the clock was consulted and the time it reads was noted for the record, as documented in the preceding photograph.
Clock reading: 11:45
